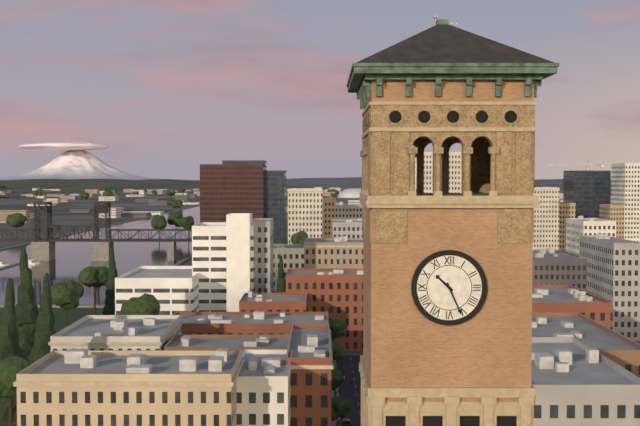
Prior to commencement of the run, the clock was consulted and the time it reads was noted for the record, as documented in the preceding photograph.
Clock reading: 10:26
